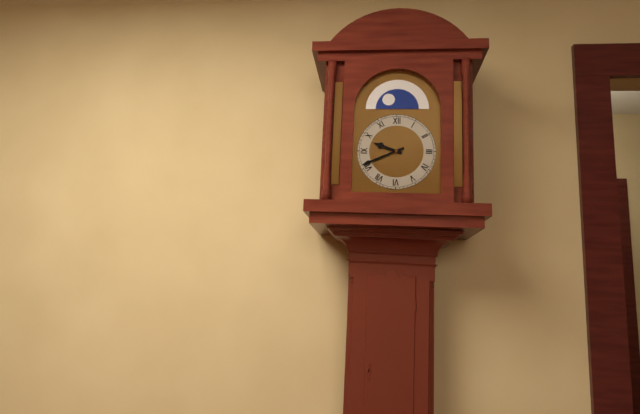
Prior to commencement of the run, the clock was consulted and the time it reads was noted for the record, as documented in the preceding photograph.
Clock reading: 9:41
